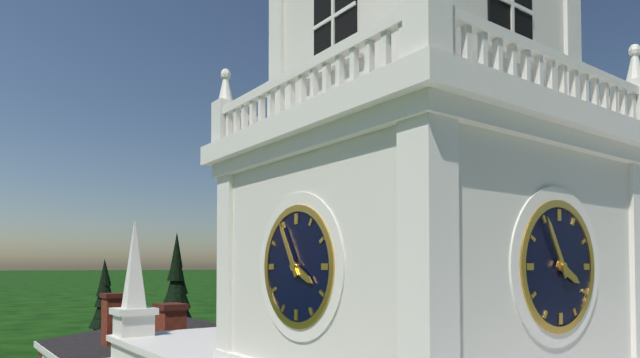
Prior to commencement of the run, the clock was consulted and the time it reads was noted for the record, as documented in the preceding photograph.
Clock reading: 3:55
